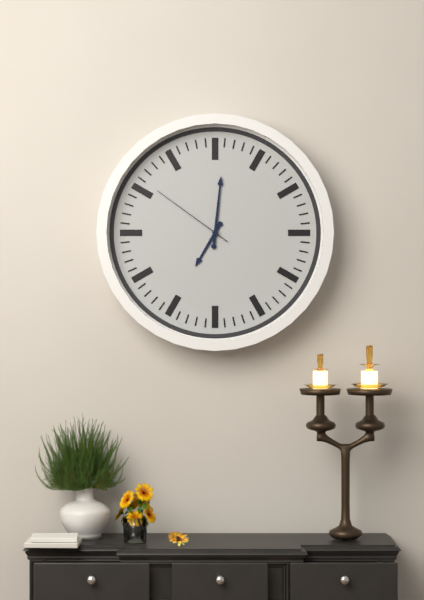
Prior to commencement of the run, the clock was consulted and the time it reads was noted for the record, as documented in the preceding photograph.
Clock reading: 7:01:51
